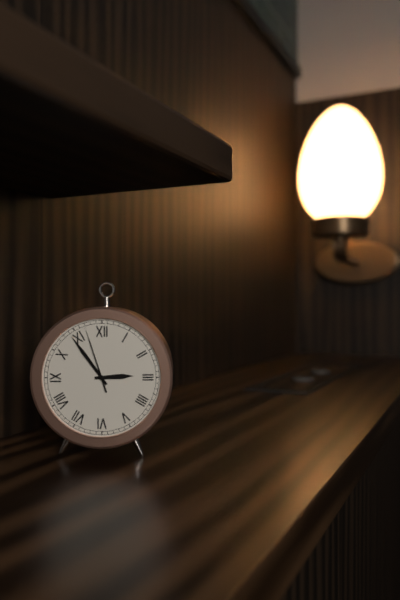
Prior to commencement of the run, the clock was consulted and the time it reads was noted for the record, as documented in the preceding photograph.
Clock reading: 2:54:57
